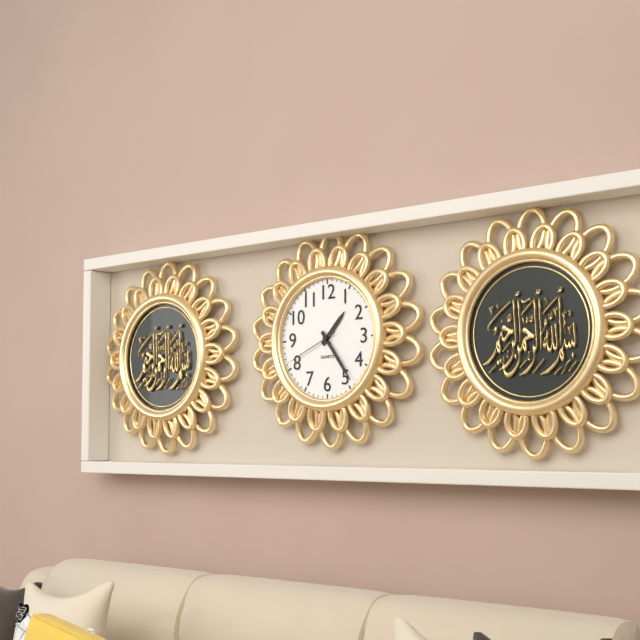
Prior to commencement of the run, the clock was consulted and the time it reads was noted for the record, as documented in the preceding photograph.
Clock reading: 1:24:41
